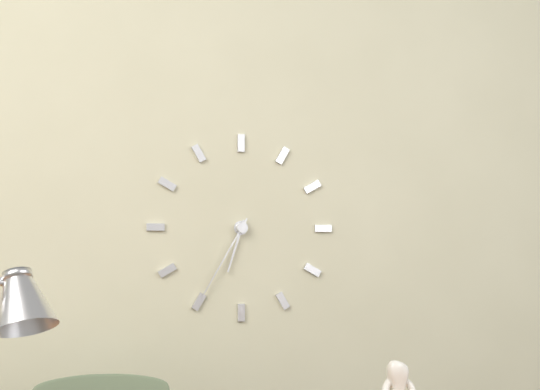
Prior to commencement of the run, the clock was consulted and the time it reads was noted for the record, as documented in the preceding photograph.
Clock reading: 6:35
